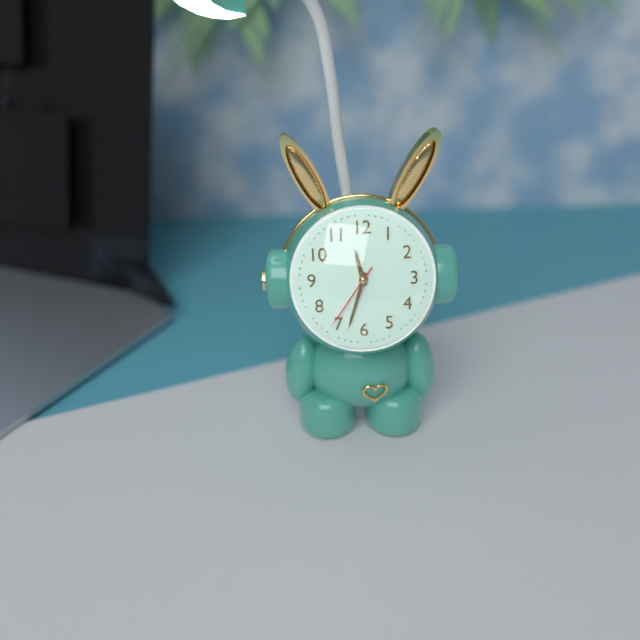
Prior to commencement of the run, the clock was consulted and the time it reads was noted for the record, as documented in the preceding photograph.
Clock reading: 11:33:36
